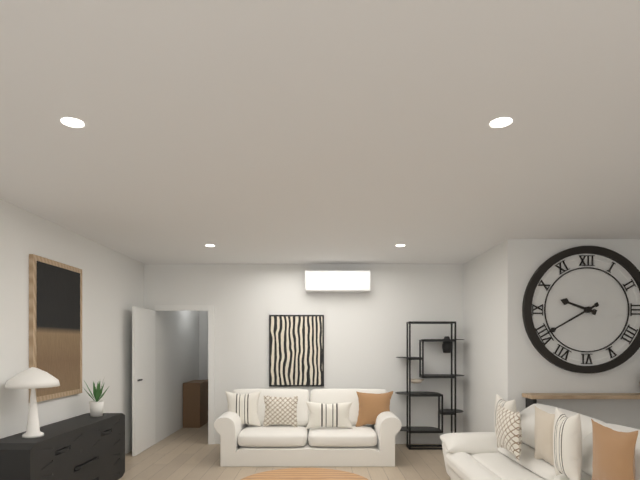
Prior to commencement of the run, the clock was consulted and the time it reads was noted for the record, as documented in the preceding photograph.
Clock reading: 9:40
